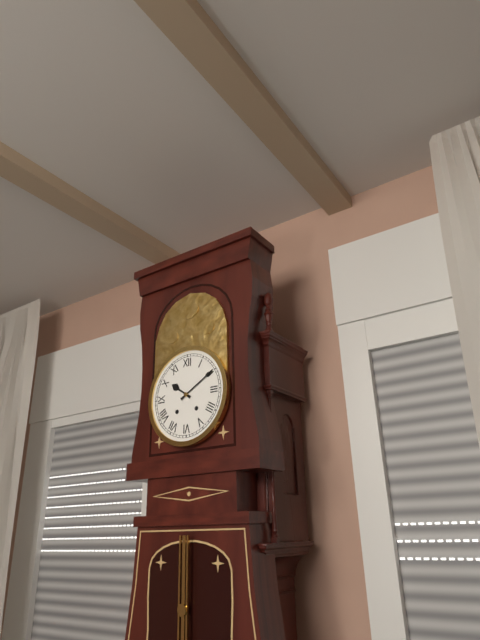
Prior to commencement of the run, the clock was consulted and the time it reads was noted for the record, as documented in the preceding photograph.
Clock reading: 10:10
